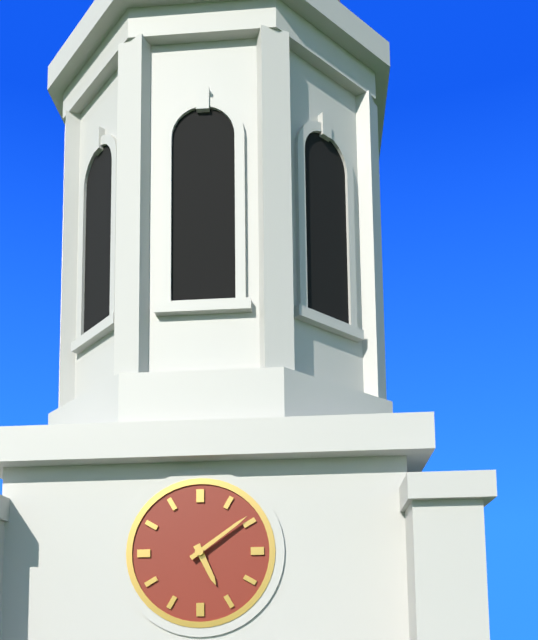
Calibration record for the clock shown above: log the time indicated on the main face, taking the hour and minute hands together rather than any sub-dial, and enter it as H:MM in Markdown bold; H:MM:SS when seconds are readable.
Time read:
**5:09**
